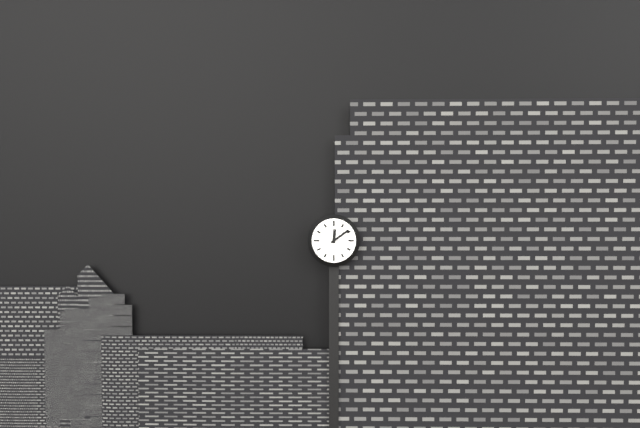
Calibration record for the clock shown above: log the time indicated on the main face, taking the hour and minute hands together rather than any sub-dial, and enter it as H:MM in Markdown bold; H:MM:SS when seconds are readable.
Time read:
**12:09**
